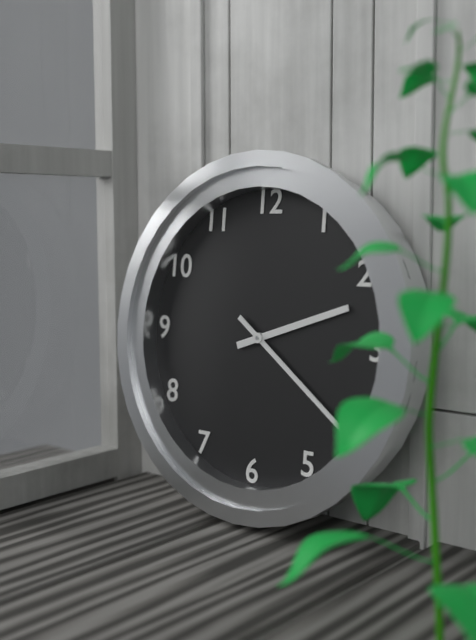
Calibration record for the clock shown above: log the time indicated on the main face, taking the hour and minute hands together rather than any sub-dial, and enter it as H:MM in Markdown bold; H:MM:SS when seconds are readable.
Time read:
**2:21**
